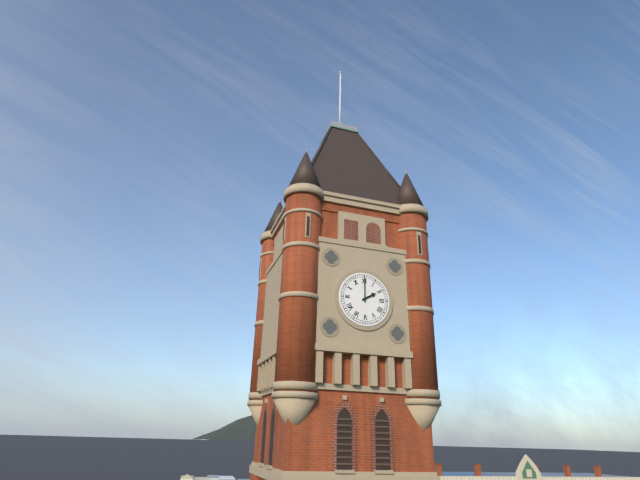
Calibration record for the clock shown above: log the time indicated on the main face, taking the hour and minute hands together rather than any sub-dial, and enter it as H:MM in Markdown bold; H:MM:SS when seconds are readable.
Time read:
**2:00**
